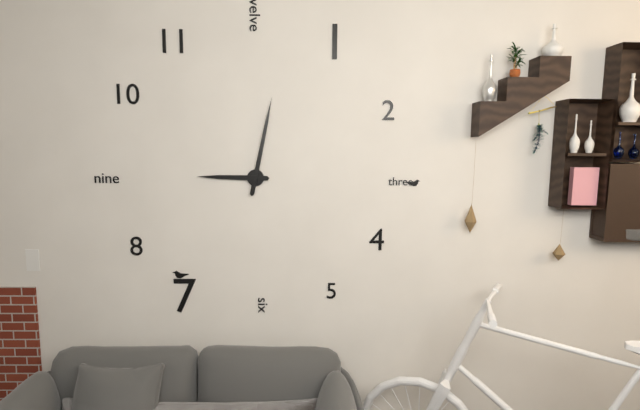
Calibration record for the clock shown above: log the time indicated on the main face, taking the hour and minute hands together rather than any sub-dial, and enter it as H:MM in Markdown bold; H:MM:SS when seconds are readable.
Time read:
**9:02**
